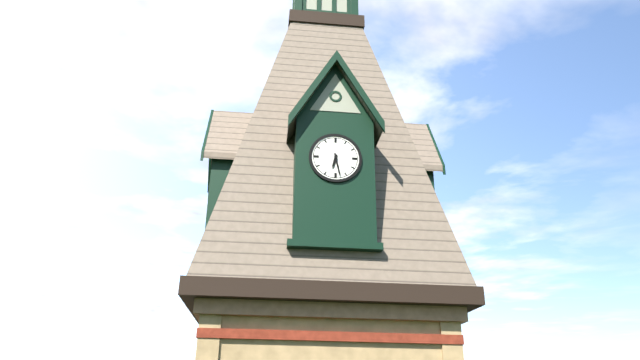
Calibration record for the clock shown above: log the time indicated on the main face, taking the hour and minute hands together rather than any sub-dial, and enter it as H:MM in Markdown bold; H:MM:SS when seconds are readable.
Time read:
**6:28**
